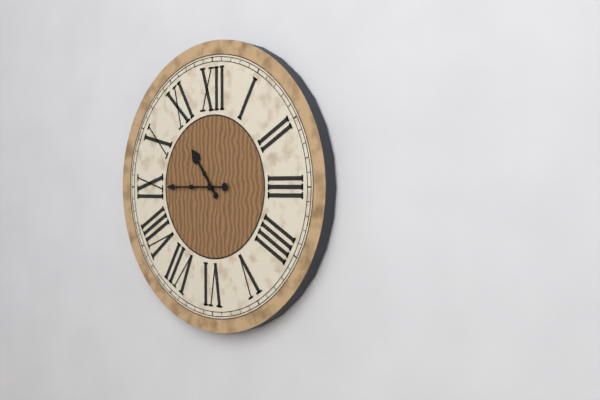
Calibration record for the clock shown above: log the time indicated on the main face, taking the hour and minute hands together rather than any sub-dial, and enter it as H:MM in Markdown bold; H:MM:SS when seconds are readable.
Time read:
**10:45**
